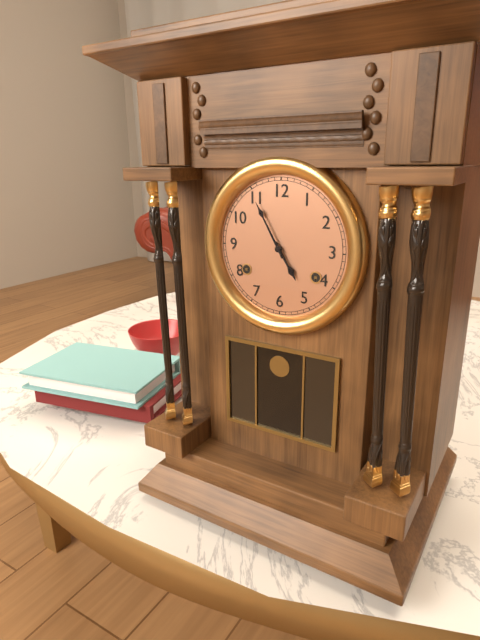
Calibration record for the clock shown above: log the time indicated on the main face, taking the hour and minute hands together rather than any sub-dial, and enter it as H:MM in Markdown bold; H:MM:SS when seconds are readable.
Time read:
**4:55**
